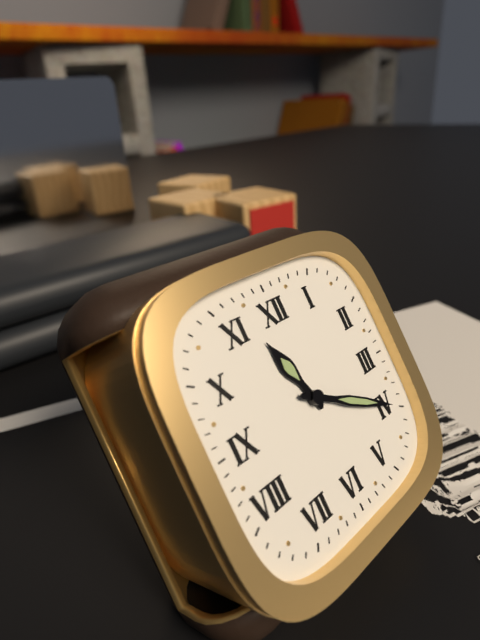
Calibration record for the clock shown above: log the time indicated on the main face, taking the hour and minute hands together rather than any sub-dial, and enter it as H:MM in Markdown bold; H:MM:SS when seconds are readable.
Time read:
**11:20**
